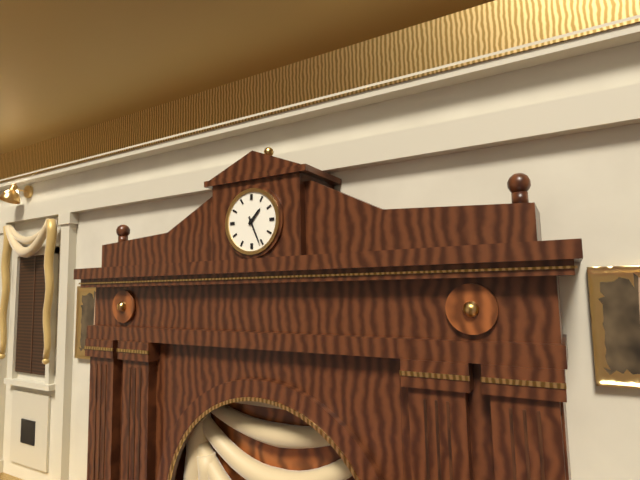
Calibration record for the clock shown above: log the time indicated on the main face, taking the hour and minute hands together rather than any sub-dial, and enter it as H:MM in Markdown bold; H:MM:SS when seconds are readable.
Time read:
**1:26**
